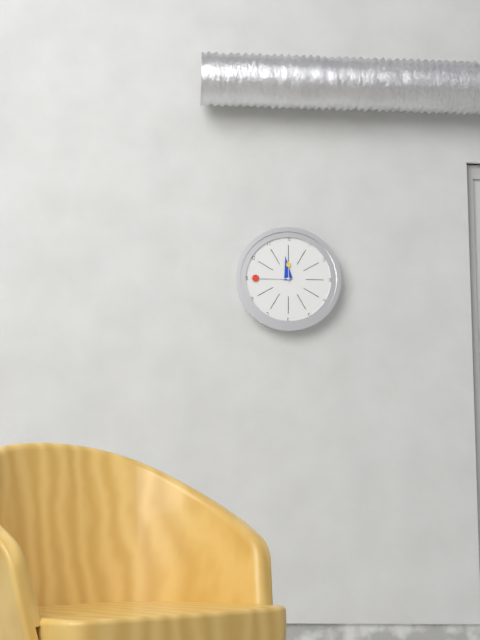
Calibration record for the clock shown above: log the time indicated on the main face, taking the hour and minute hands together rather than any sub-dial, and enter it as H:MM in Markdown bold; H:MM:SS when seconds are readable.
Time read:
**11:45**
